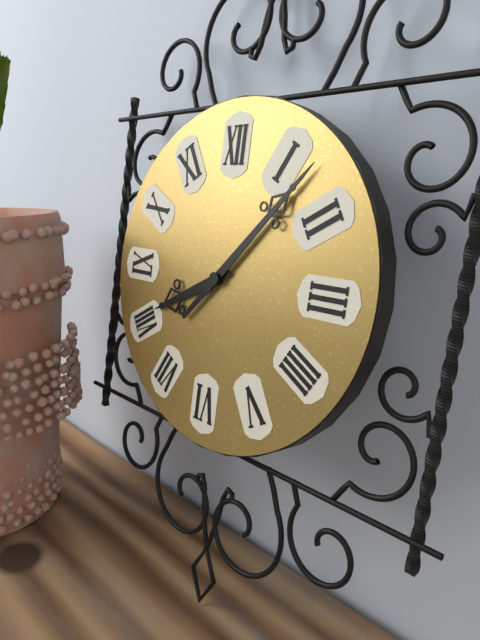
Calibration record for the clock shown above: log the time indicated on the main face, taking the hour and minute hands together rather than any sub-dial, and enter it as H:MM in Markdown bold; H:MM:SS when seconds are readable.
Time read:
**8:07**
